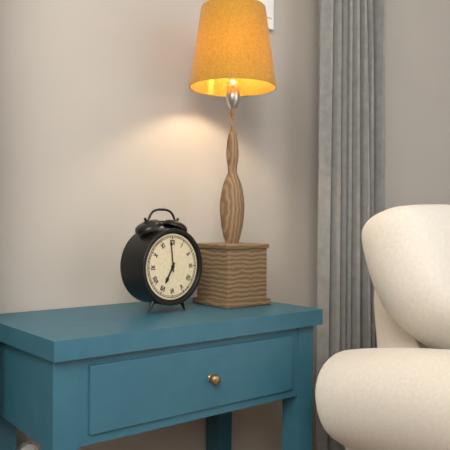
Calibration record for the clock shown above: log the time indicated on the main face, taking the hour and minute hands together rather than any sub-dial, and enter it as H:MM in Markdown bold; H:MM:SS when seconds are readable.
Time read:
**6:59**
